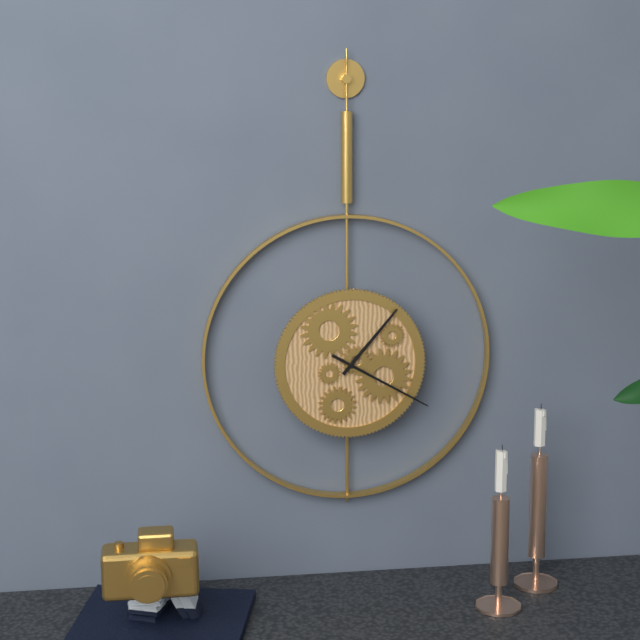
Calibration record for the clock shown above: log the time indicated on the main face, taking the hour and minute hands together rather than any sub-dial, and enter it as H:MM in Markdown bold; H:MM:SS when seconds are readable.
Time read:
**1:20**
